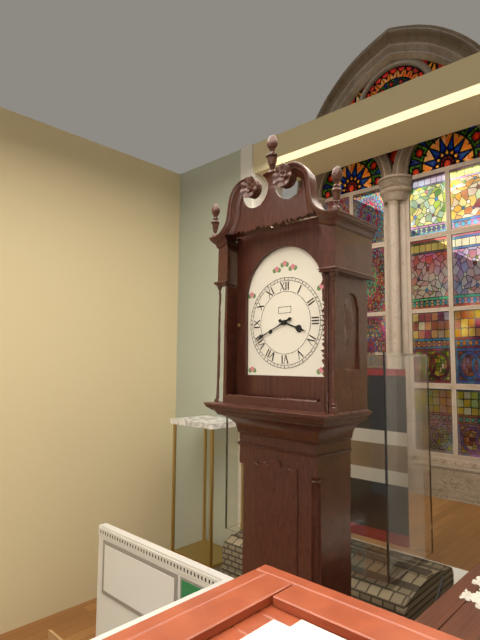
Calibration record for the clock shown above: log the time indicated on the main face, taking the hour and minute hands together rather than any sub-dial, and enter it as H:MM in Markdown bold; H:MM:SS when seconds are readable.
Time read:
**3:41**
